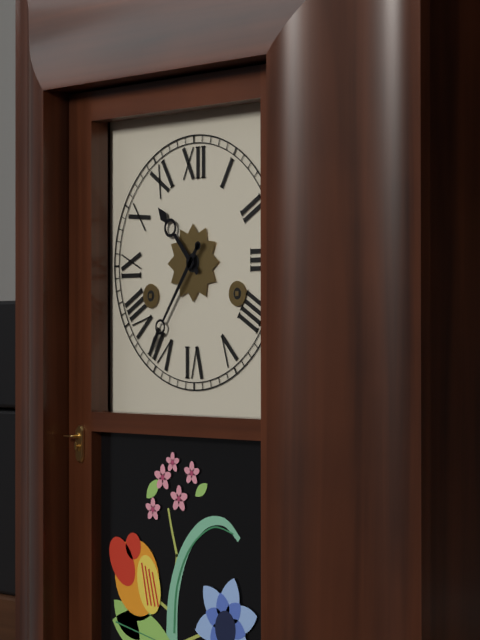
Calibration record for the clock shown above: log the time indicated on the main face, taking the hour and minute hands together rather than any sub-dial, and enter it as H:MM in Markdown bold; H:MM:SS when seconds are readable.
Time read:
**10:36**
